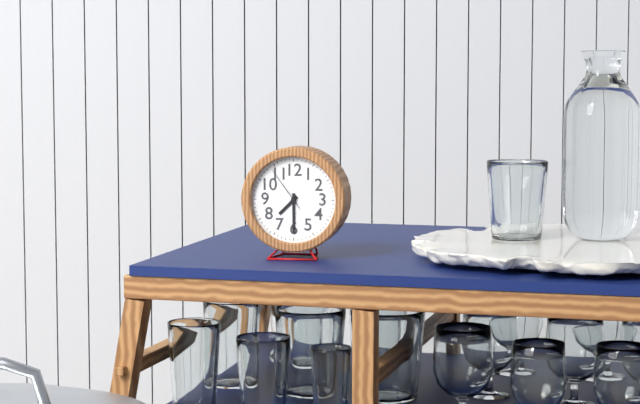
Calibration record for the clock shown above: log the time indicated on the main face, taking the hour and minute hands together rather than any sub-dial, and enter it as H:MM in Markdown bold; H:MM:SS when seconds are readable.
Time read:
**7:30**
